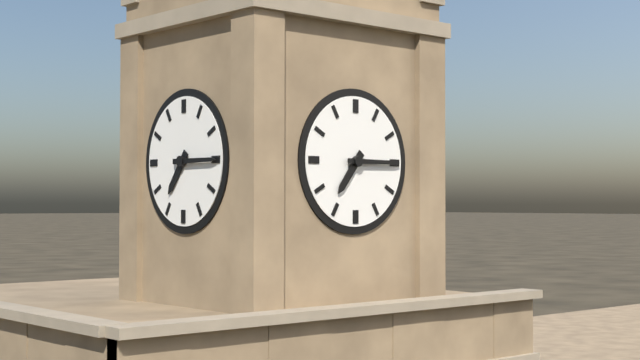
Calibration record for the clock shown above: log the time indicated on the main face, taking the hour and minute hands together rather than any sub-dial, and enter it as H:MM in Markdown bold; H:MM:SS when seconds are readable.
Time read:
**7:15**
